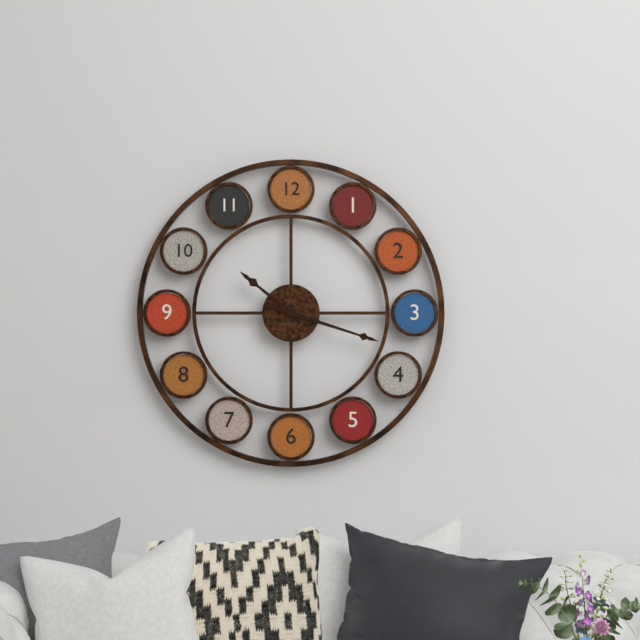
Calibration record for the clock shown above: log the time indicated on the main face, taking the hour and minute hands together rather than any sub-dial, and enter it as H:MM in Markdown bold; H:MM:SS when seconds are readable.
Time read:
**10:18**
